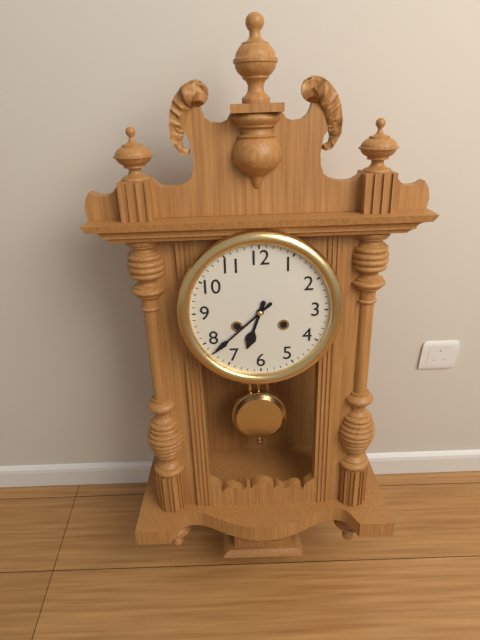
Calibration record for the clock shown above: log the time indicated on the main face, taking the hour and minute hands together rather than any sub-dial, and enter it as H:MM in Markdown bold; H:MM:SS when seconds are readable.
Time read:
**6:38**
